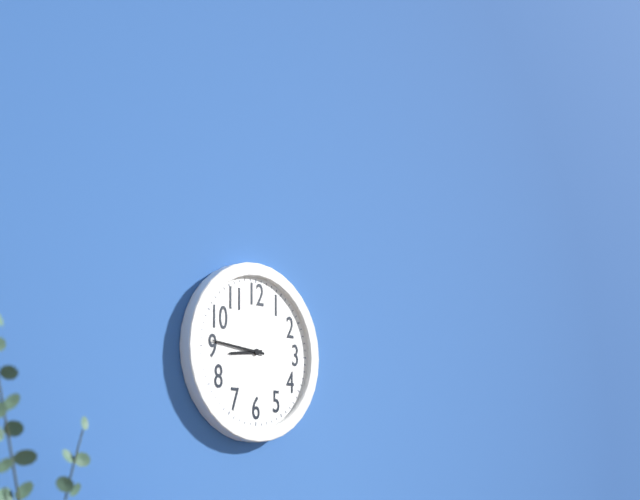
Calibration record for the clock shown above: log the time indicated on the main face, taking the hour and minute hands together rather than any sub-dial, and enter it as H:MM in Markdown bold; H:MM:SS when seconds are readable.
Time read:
**8:46**
